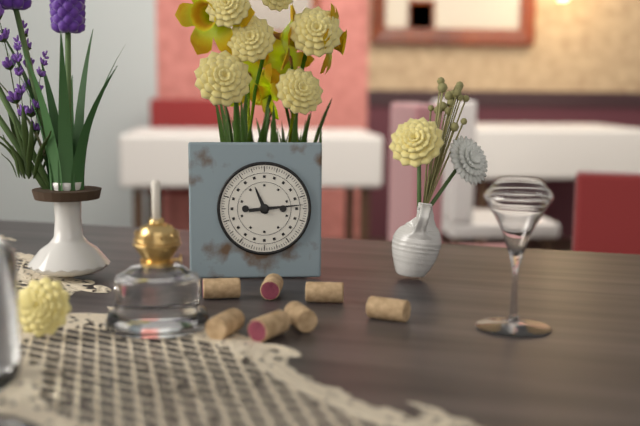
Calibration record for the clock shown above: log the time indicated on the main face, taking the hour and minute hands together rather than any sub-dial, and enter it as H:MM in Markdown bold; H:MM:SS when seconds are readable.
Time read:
**11:14**
